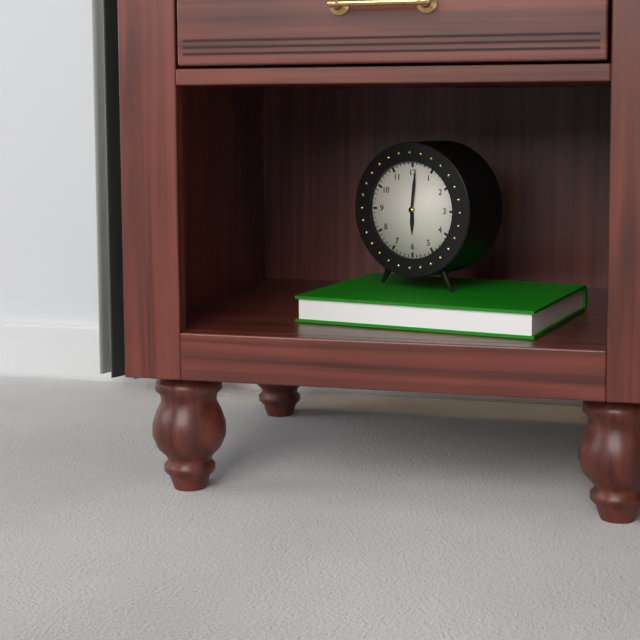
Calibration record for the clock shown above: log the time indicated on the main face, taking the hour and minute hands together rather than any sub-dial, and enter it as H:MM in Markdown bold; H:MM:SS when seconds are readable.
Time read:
**6:01**
